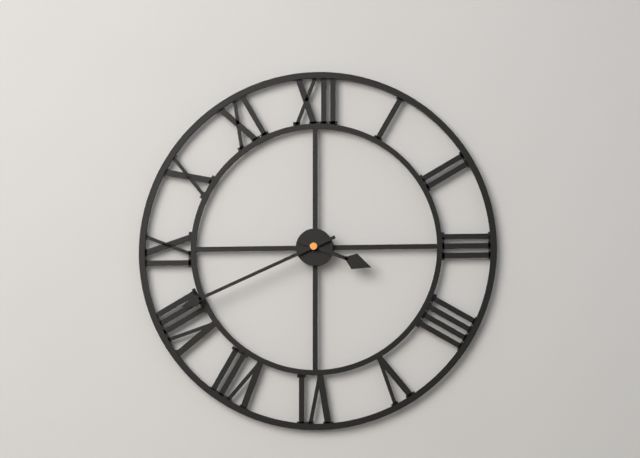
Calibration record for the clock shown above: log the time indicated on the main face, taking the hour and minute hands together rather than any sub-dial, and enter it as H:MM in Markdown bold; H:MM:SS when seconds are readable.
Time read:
**3:41**
